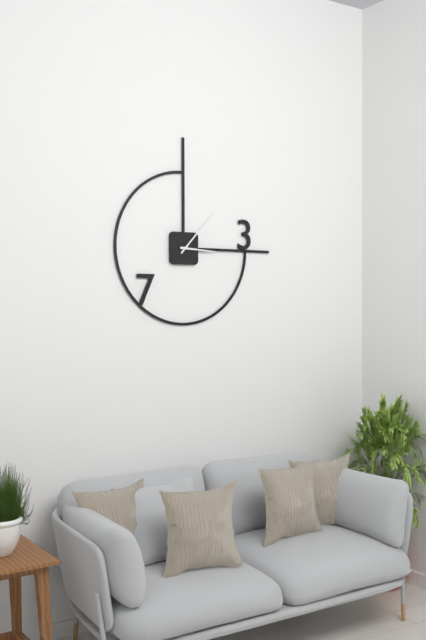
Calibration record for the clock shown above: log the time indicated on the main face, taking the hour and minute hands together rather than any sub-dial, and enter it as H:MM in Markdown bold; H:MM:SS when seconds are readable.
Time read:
**3:07**
